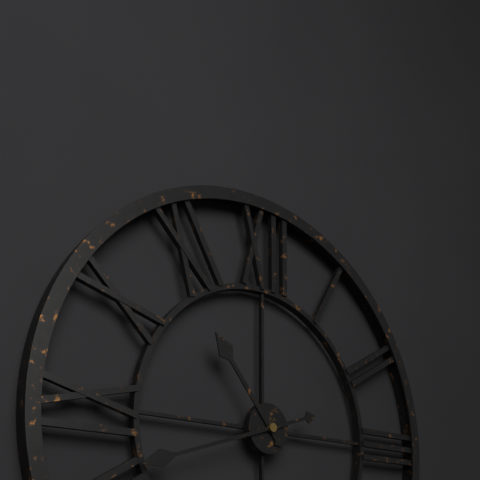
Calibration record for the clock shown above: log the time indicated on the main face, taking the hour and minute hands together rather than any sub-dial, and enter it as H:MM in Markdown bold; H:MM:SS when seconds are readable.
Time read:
**10:42**
